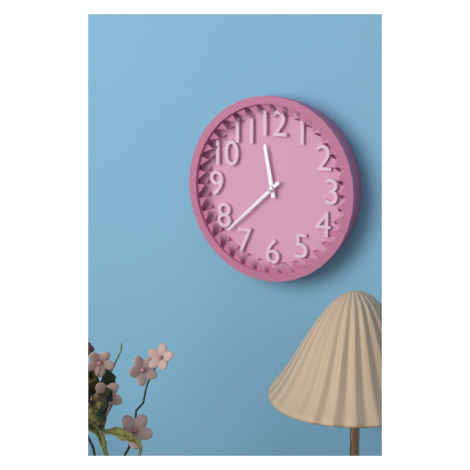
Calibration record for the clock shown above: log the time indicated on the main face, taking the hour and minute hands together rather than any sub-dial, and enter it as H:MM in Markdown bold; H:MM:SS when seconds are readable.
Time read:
**11:38**
